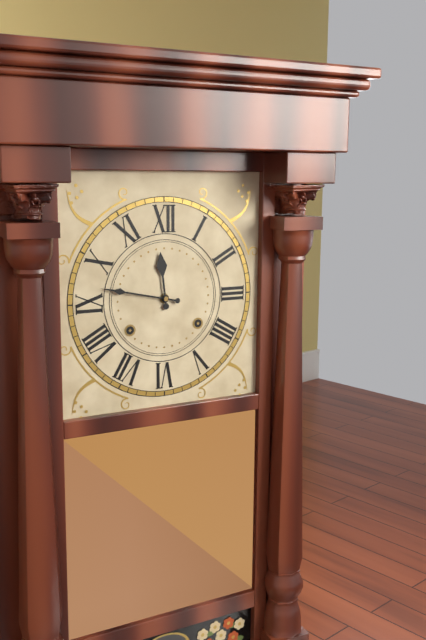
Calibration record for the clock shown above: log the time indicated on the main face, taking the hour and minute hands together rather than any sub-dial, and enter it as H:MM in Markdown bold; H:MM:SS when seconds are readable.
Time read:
**11:47**
